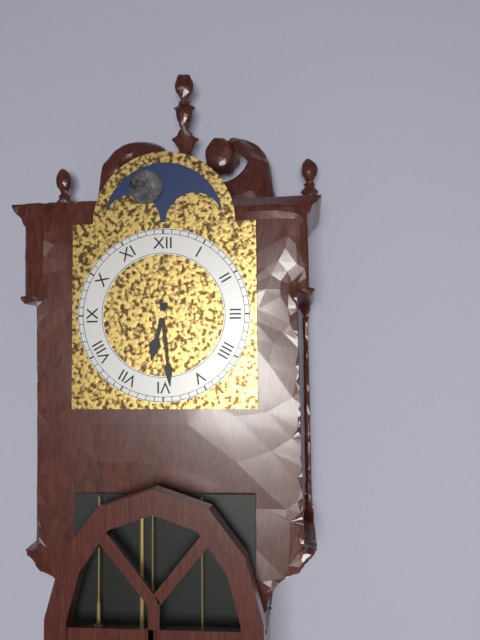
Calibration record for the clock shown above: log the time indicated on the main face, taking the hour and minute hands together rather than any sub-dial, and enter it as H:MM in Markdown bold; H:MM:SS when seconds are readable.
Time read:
**6:29**
